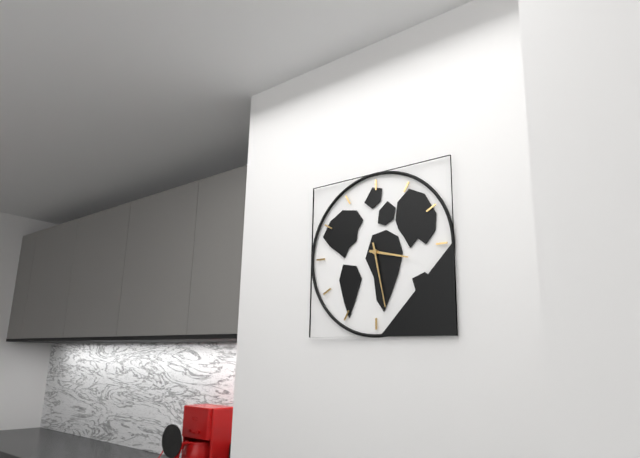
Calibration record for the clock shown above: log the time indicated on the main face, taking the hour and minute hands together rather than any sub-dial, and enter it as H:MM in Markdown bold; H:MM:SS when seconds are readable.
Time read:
**3:28**
